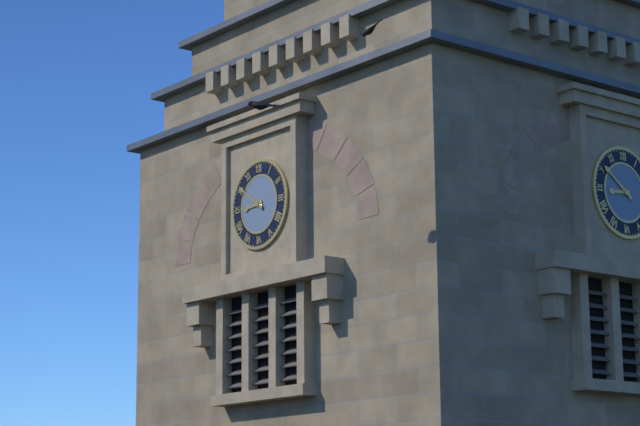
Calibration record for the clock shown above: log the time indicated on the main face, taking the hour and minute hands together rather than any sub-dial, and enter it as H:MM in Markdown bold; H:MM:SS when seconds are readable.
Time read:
**8:51**
